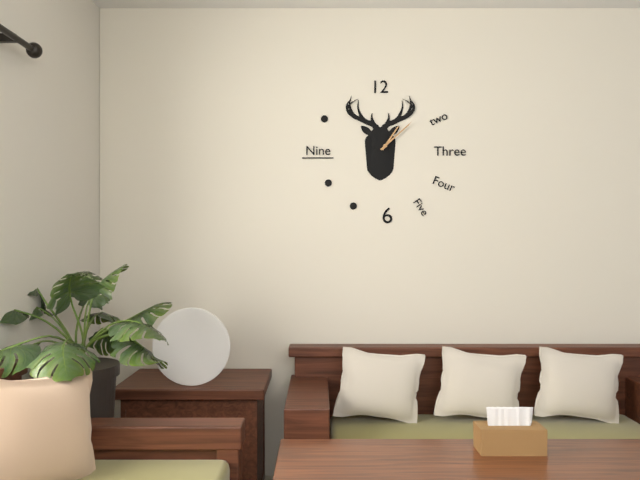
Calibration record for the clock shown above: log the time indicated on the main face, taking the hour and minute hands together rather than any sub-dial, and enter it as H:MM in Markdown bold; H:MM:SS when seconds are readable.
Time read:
**1:08**
